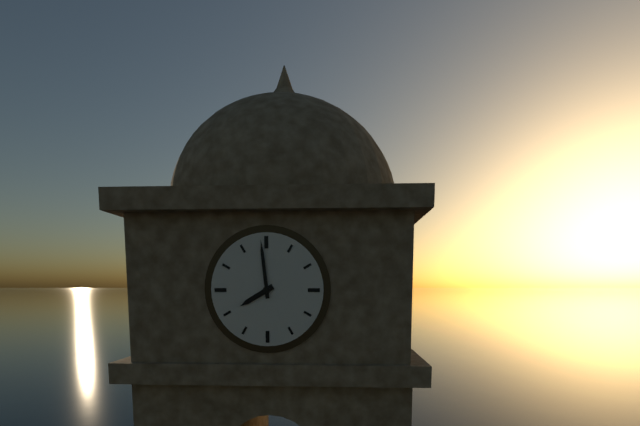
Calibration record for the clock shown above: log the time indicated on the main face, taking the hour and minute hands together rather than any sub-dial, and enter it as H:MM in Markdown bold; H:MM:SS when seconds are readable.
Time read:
**7:59**
